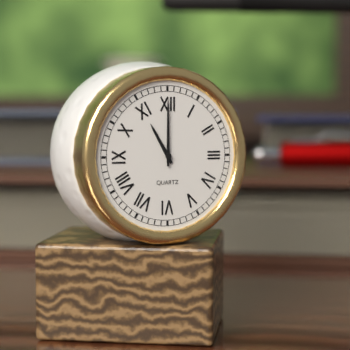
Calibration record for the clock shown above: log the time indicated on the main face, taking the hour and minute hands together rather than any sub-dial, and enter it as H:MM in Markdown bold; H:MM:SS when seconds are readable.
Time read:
**11:00**
